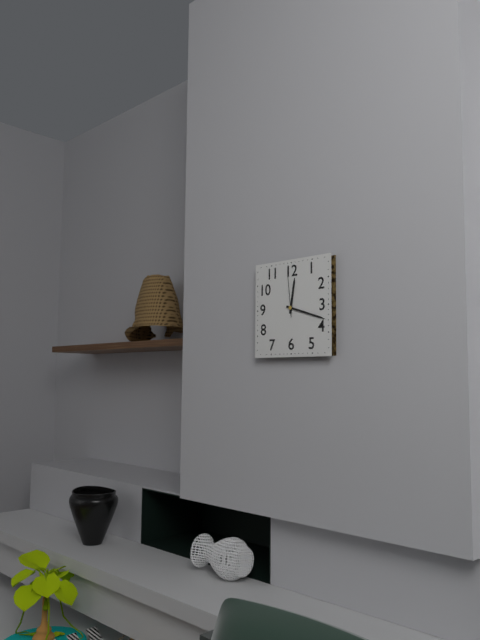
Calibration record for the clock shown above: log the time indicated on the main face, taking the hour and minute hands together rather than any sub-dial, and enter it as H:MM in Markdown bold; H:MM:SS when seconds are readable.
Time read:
**12:18**
